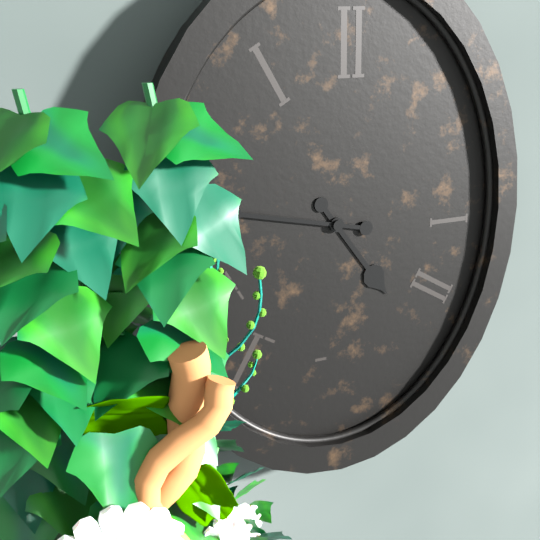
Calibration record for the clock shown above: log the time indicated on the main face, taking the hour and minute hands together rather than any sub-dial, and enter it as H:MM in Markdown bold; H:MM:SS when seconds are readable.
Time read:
**4:47**
